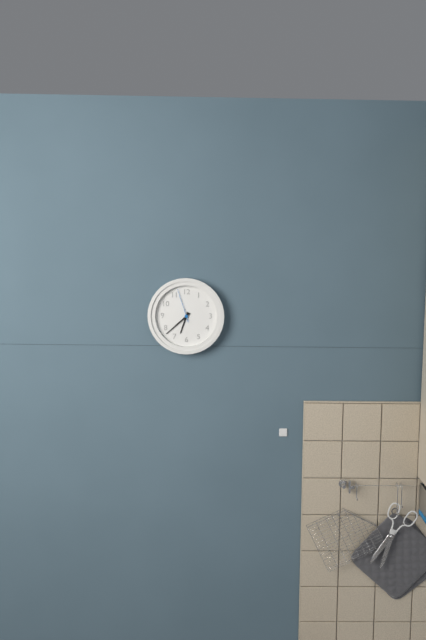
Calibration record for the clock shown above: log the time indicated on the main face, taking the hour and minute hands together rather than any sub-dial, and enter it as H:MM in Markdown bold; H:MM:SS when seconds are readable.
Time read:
**6:38**
